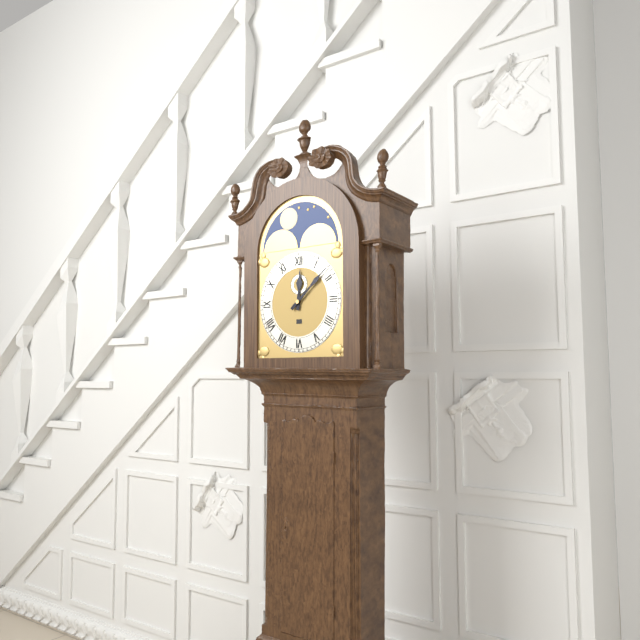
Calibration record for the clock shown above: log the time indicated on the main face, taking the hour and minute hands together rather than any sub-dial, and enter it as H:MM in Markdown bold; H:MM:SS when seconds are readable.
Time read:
**12:08**
